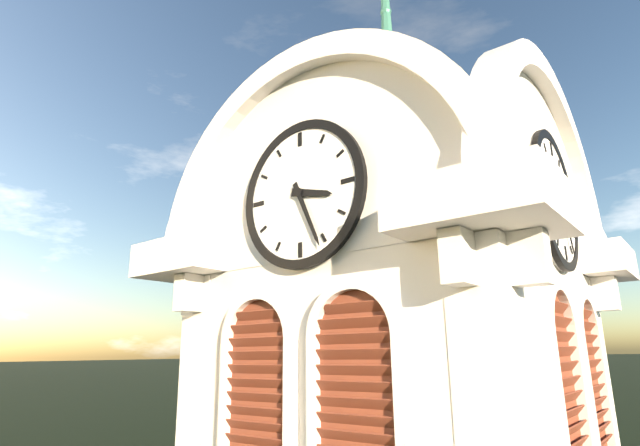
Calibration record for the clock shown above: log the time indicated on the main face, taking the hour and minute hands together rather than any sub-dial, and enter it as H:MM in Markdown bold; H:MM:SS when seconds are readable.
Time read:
**3:26**
